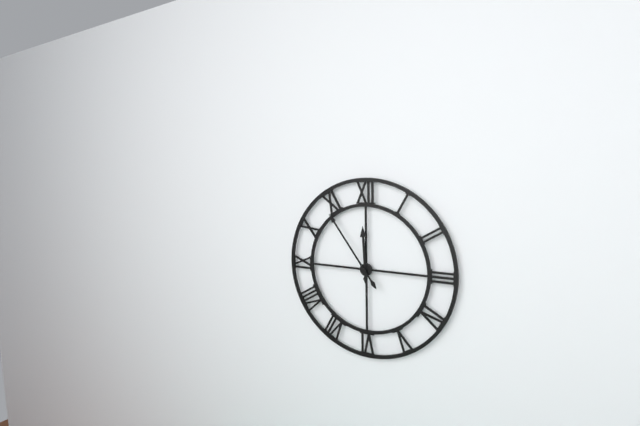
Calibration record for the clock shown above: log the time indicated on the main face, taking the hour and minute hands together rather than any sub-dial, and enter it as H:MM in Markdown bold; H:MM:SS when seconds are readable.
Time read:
**11:54**
